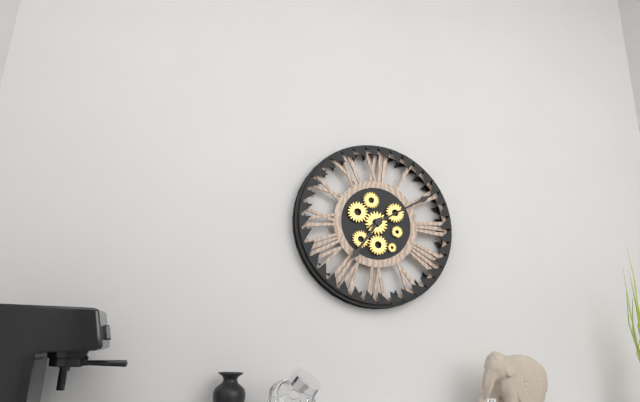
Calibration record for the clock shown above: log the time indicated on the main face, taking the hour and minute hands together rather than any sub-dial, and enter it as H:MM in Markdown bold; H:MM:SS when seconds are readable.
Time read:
**7:10**
